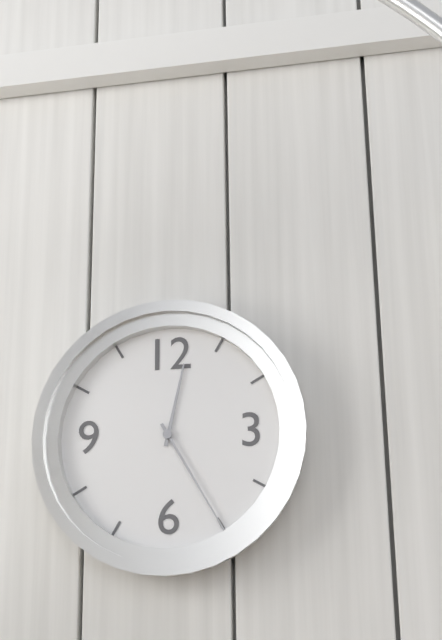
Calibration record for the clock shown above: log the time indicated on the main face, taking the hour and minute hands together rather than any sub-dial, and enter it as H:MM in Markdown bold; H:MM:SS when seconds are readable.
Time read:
**12:25**
